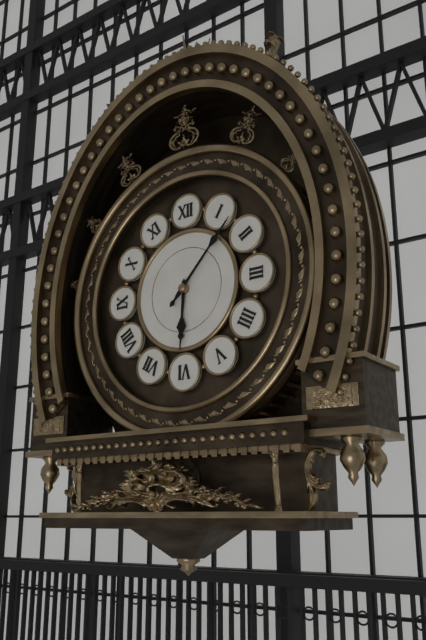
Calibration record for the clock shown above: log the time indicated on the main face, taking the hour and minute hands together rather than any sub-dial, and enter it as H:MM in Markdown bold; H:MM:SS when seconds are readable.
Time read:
**6:07**
